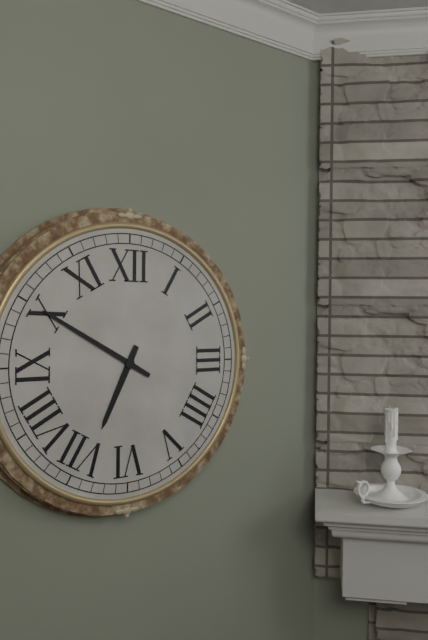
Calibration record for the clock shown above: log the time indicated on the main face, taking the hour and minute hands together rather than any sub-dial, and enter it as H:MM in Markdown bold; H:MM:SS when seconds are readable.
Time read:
**6:50**
